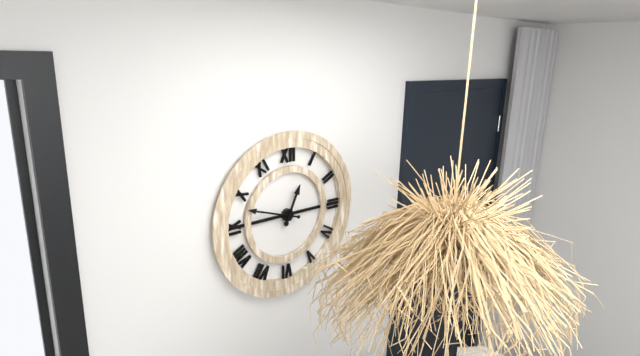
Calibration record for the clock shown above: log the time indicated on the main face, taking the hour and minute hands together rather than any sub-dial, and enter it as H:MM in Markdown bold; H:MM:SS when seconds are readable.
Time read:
**12:48**
